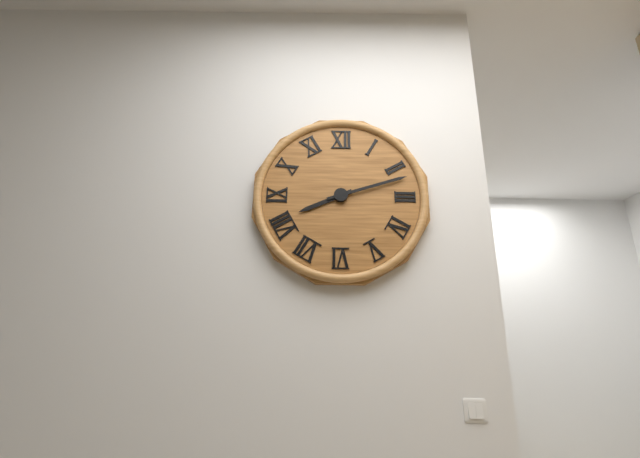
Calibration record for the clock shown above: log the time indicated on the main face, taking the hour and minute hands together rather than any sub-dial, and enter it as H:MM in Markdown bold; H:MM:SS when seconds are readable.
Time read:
**8:12**
